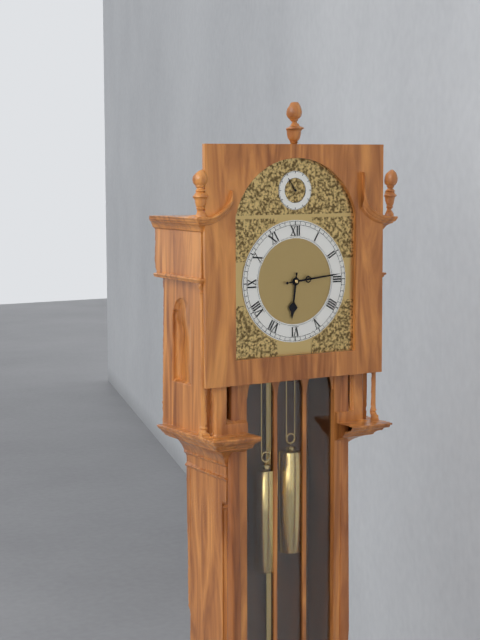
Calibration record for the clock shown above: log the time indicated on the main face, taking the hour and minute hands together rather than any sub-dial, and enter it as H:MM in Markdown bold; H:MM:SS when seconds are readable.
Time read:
**6:14**
